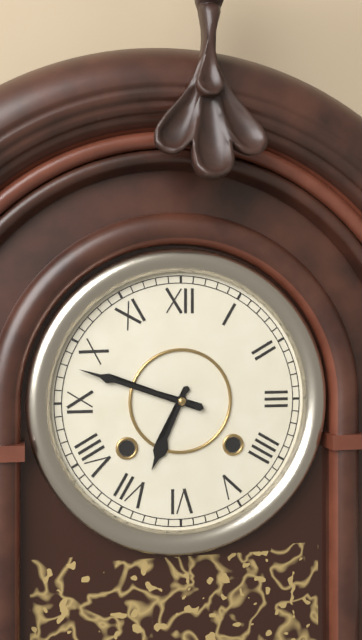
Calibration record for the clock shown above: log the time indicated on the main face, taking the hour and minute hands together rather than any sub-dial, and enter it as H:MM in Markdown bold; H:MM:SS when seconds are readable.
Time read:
**6:48**
